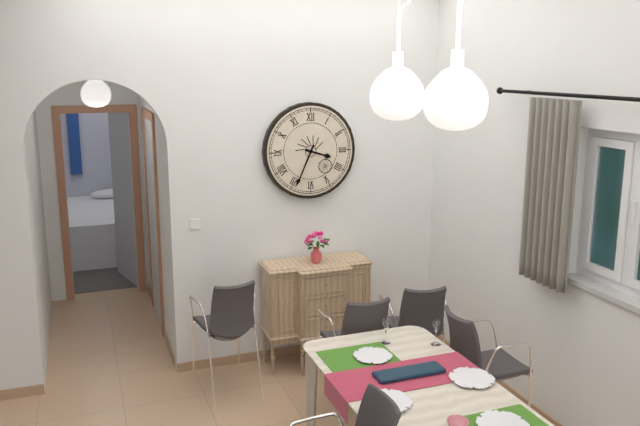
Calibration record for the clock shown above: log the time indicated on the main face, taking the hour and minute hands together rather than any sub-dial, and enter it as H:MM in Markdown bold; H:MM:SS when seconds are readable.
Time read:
**3:34**
